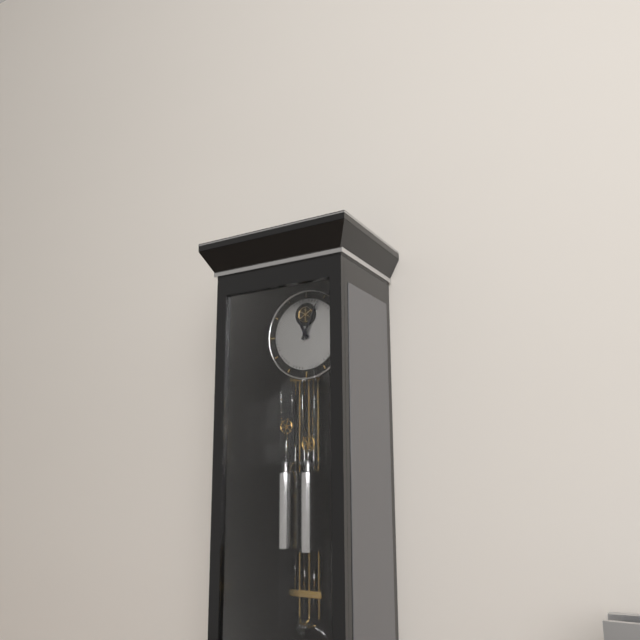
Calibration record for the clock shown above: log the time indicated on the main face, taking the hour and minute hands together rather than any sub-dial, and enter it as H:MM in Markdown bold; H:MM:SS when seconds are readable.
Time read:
**11:04**
